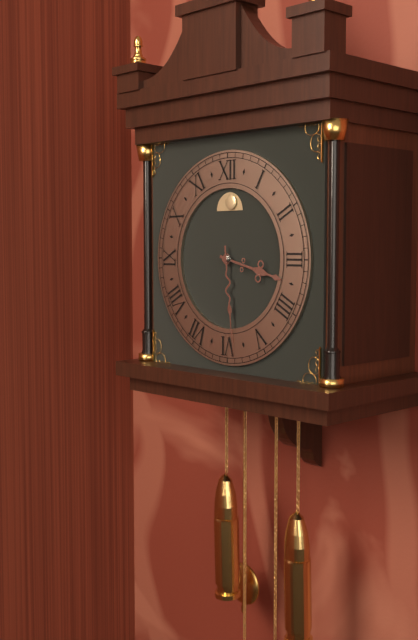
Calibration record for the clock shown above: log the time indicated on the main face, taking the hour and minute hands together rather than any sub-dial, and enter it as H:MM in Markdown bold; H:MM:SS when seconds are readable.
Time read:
**3:29**
